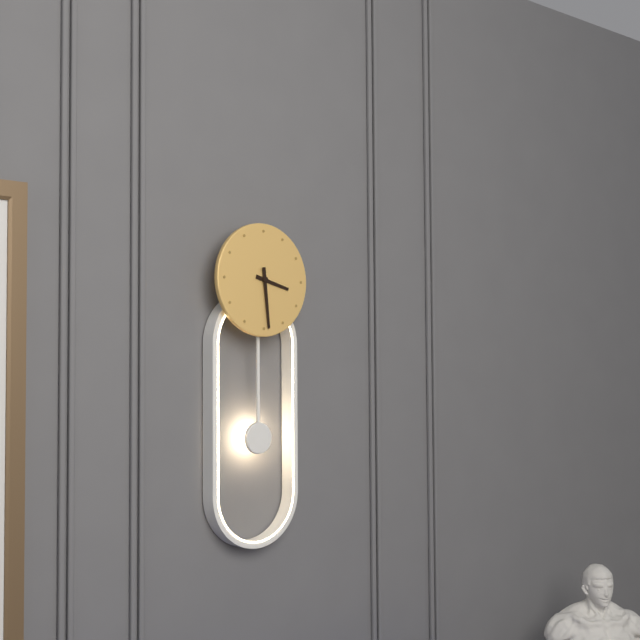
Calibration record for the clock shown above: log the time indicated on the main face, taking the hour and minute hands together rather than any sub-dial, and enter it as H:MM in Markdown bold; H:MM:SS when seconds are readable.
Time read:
**3:29**
